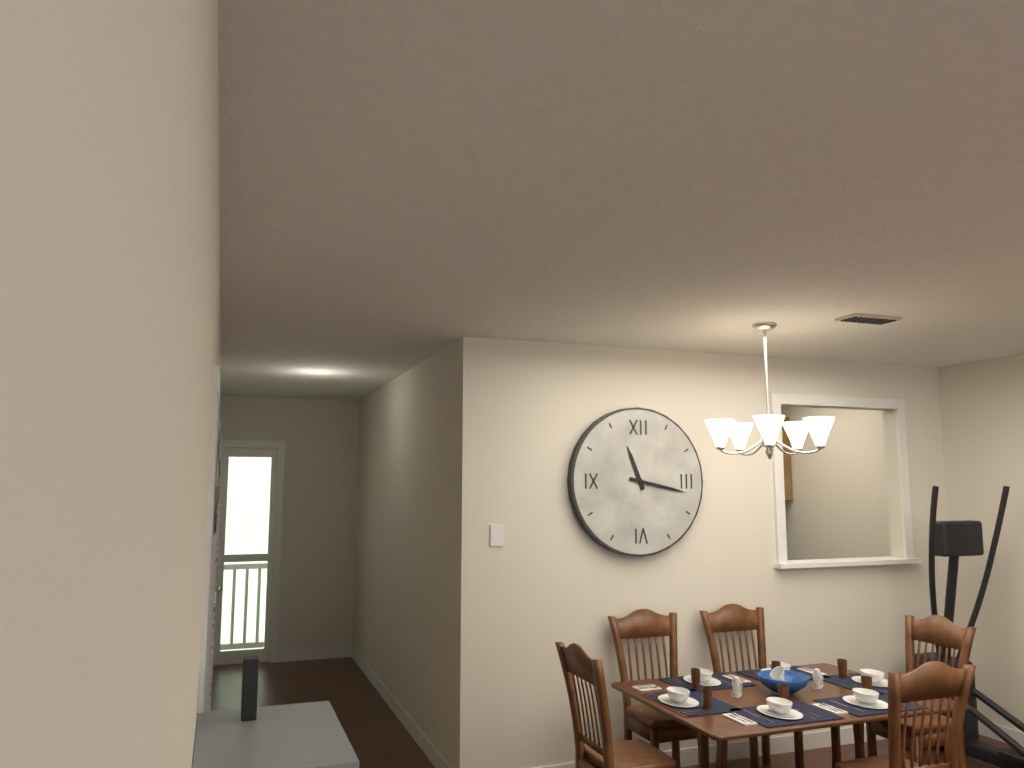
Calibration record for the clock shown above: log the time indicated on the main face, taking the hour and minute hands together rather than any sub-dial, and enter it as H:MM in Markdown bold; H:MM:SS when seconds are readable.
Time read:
**11:17**
